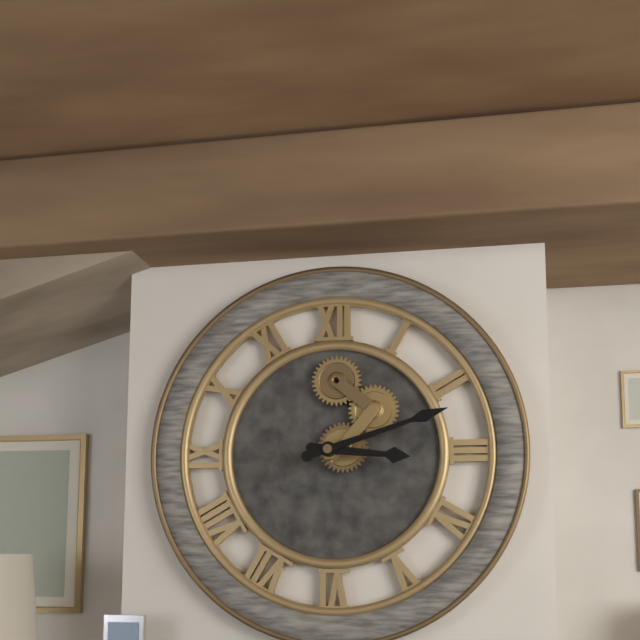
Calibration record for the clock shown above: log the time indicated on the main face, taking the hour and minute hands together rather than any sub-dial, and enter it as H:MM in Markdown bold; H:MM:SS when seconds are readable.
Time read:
**3:12**
